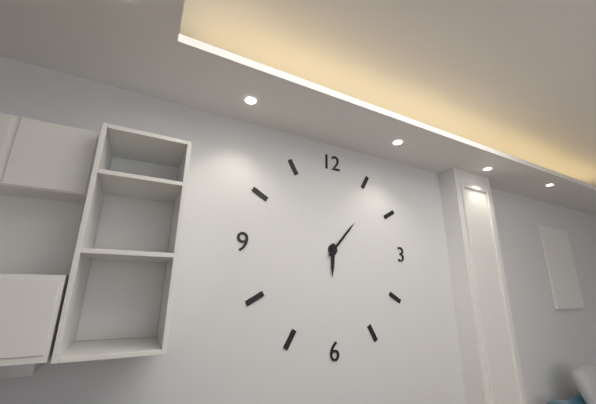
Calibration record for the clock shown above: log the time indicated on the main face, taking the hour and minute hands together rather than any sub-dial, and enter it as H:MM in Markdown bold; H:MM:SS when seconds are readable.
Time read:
**6:07**
